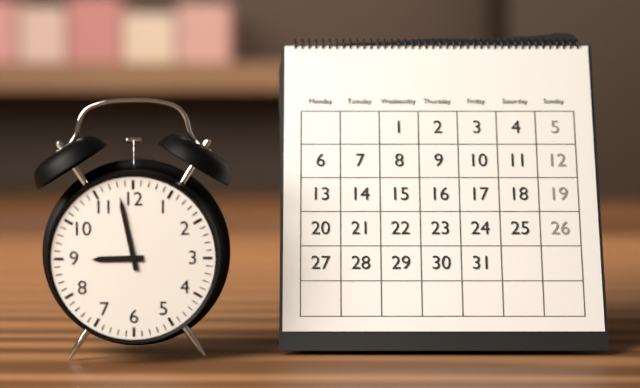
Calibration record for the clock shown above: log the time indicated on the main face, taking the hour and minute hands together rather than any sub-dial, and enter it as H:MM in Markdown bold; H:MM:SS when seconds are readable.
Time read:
**8:58**
